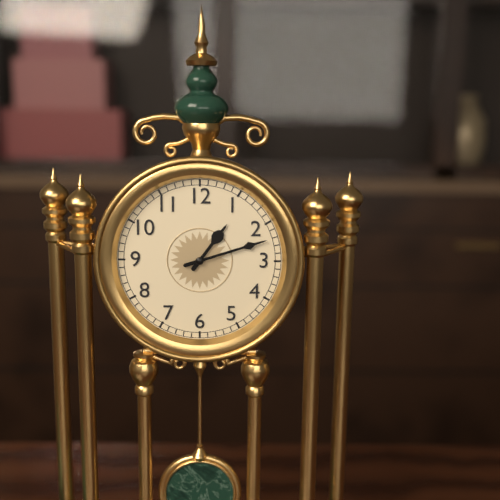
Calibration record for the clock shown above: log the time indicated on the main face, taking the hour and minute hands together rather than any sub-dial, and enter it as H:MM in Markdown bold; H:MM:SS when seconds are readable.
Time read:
**1:12**
